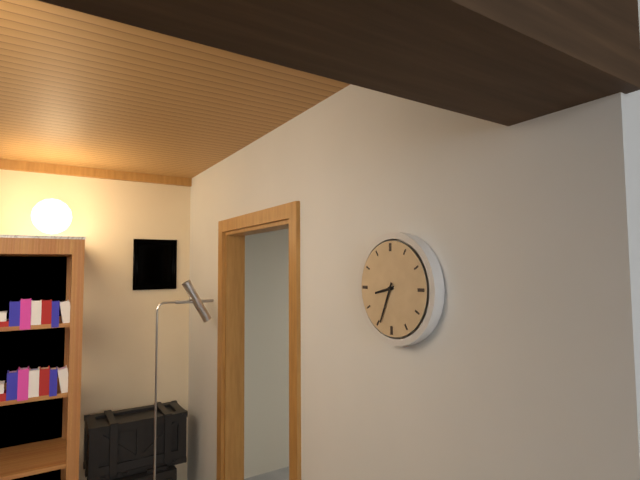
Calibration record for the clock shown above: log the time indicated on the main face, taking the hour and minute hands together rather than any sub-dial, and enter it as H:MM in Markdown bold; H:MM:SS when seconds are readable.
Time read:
**8:34**
